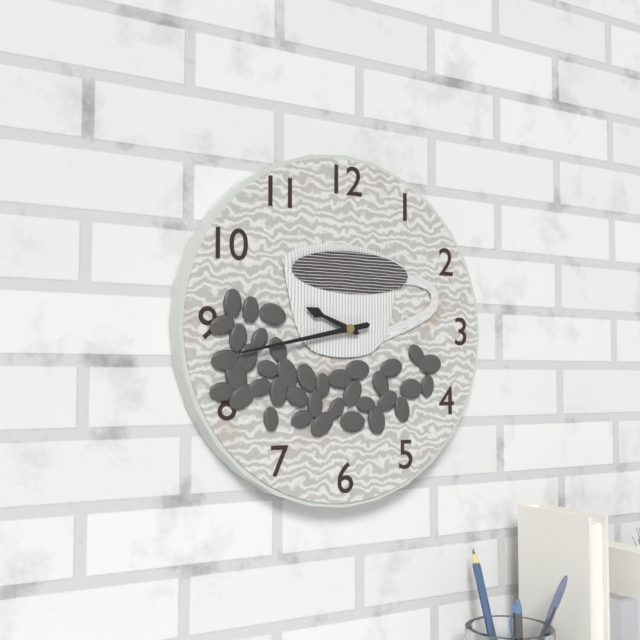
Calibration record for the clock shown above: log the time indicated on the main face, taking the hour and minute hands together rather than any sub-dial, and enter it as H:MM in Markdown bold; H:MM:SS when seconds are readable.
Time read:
**9:43**
